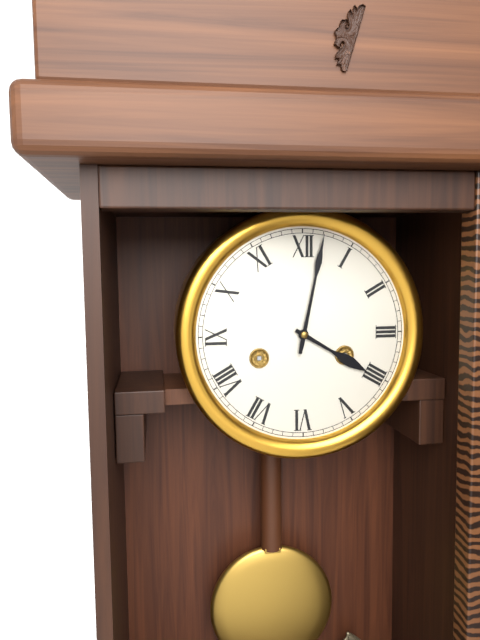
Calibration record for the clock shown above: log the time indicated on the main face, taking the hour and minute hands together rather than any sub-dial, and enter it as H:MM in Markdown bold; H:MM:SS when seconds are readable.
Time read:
**4:02**
